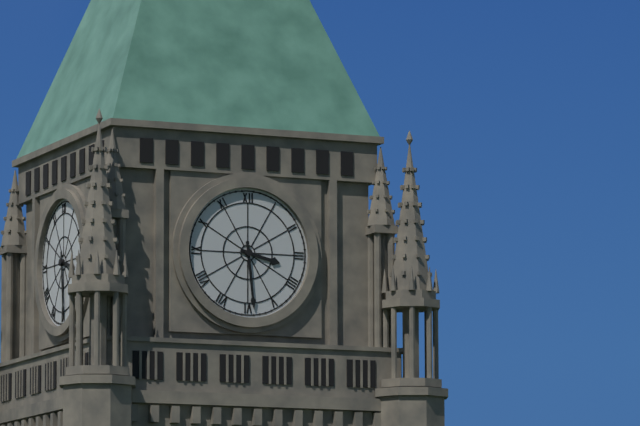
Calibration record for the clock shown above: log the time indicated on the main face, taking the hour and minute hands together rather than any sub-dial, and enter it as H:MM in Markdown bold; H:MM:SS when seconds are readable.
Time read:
**3:29**
